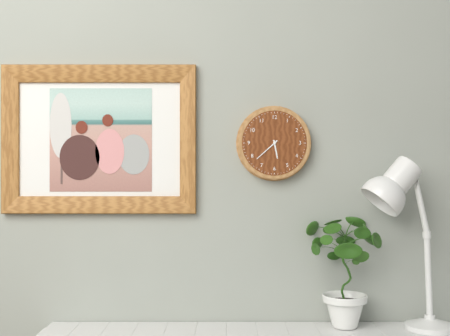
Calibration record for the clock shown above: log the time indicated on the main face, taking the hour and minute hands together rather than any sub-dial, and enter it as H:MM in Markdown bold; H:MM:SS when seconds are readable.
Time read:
**5:38**
